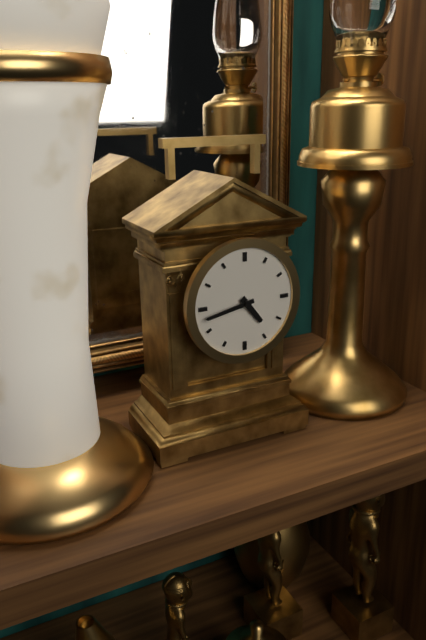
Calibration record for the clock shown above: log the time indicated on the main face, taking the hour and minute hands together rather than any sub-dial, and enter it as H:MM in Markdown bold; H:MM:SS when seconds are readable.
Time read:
**4:43**
